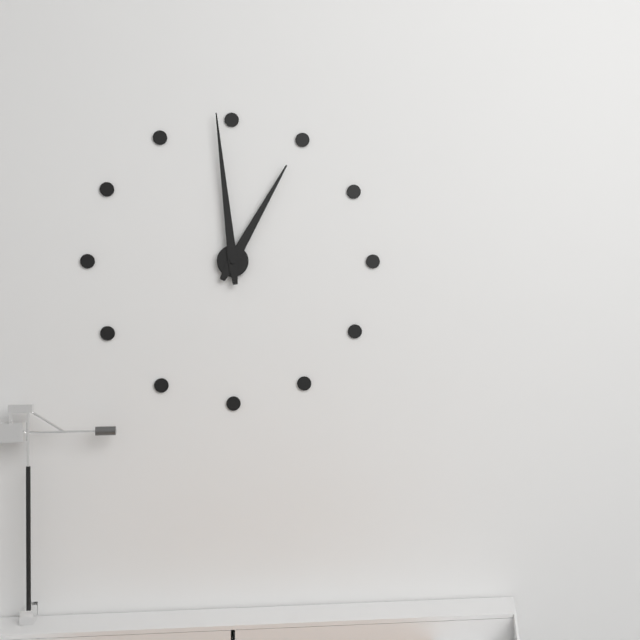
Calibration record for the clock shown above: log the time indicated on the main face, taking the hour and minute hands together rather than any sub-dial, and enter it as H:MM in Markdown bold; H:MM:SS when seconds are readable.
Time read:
**12:59**
